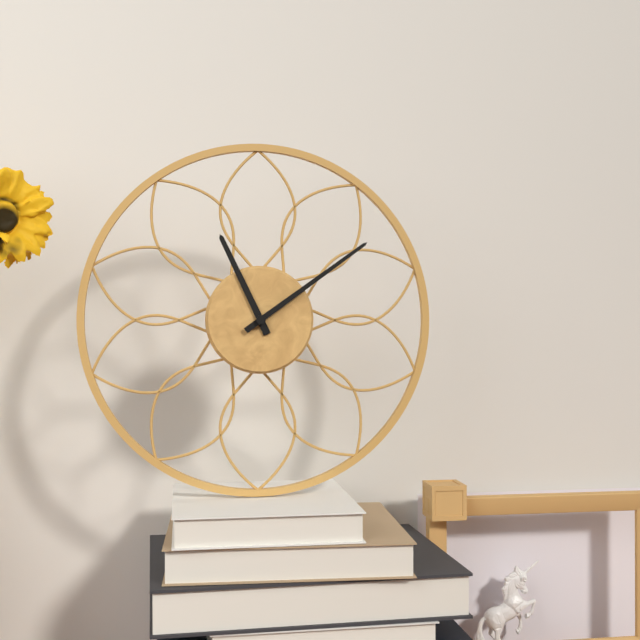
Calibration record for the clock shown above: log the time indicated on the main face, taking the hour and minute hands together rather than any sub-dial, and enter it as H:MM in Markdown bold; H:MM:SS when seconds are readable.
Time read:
**11:09**
